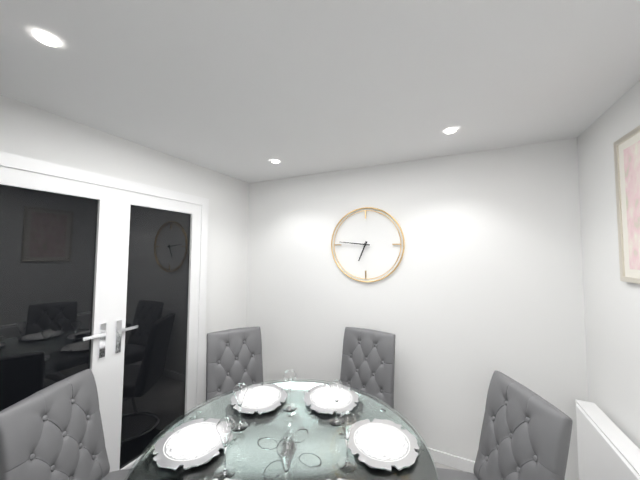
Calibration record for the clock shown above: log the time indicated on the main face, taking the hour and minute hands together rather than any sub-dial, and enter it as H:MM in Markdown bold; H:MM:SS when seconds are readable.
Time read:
**6:46**
